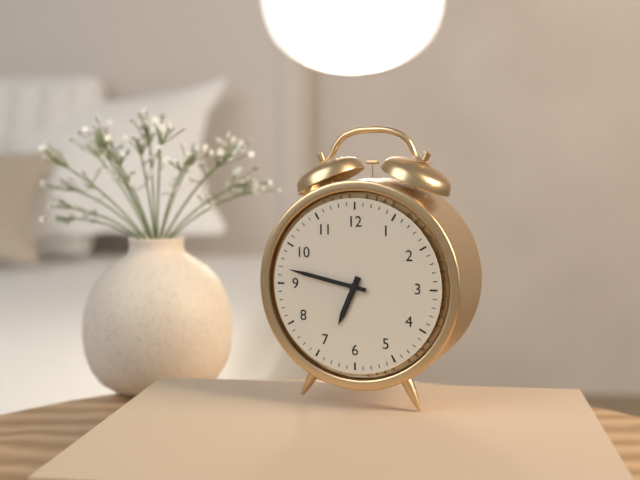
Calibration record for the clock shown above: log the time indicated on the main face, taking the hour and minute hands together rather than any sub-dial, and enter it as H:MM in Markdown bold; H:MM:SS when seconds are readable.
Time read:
**6:47**
